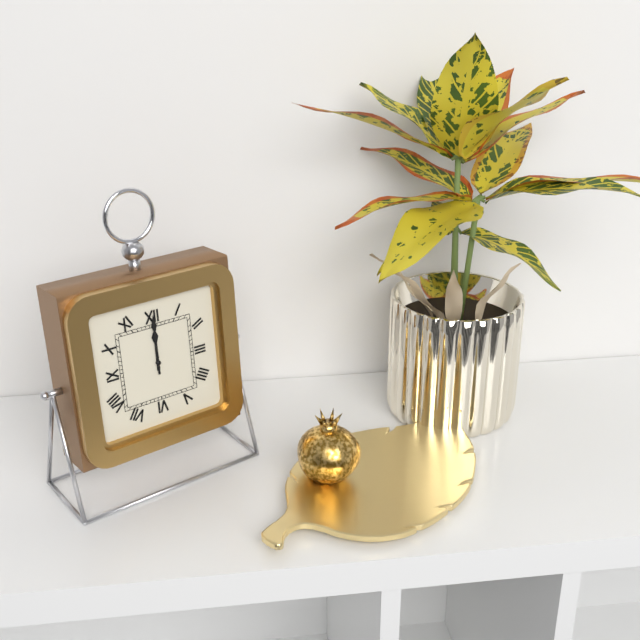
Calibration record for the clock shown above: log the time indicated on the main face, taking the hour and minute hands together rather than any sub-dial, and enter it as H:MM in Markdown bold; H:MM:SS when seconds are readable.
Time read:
**12:00**
